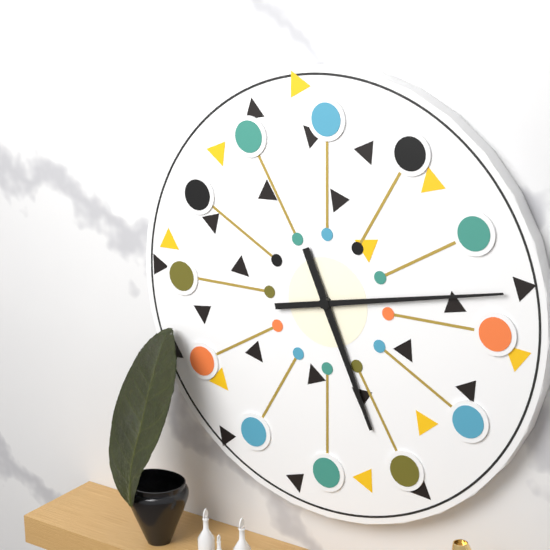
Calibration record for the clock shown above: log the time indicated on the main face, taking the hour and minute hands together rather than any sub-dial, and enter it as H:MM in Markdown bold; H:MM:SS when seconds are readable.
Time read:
**5:13**
